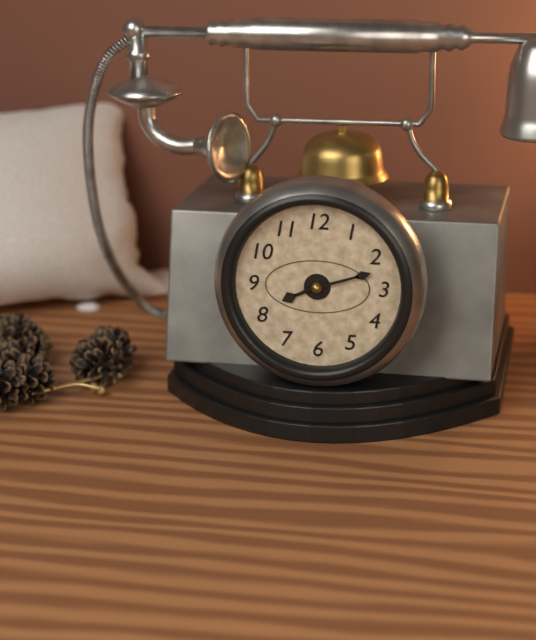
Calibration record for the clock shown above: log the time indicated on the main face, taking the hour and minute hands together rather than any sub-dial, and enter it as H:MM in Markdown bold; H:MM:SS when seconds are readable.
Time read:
**8:12**
